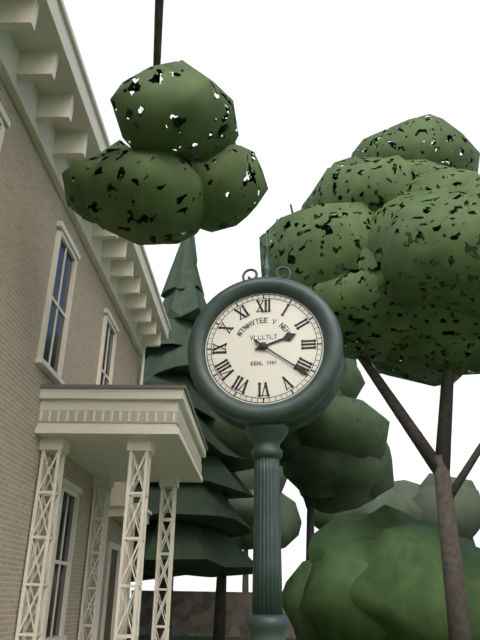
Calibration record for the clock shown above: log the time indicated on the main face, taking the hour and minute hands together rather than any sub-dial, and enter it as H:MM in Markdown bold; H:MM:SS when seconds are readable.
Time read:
**2:21**
